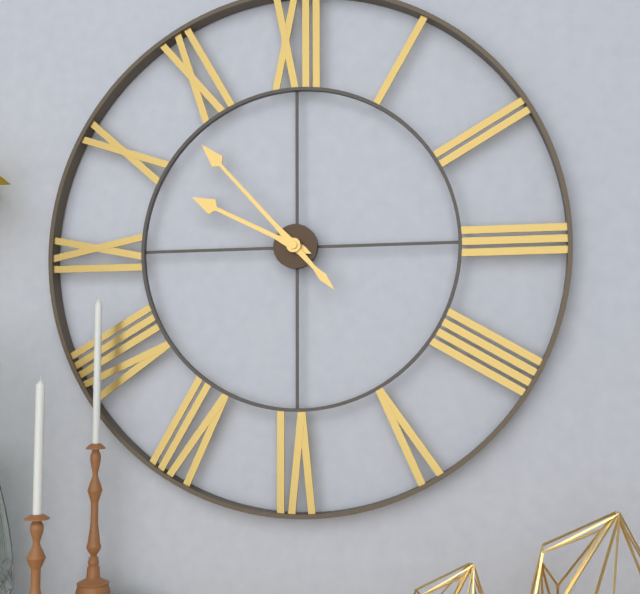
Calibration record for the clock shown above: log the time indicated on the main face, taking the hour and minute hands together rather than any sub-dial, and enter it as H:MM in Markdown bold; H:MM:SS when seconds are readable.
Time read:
**9:53**
